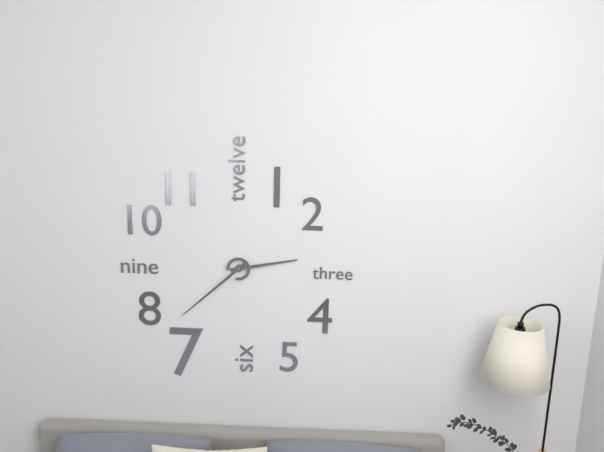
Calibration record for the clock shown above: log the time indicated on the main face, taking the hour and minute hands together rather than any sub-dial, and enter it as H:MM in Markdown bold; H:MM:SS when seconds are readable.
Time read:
**2:38**
